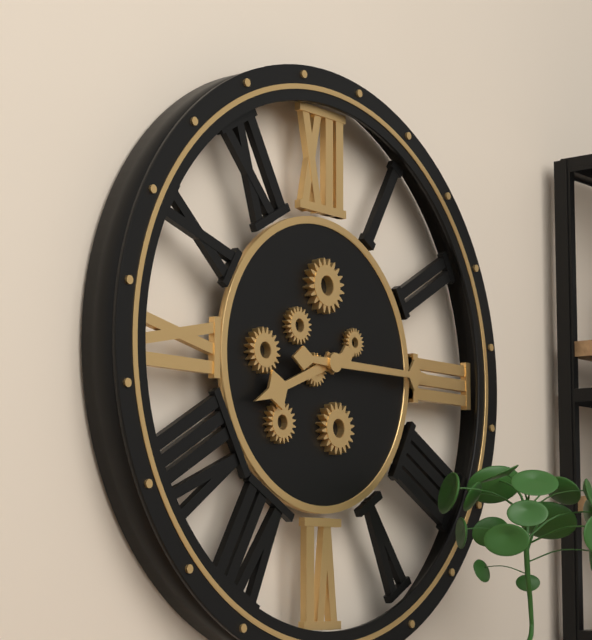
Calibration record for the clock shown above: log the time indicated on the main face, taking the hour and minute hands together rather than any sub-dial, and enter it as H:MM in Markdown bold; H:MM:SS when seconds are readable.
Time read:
**8:15**
